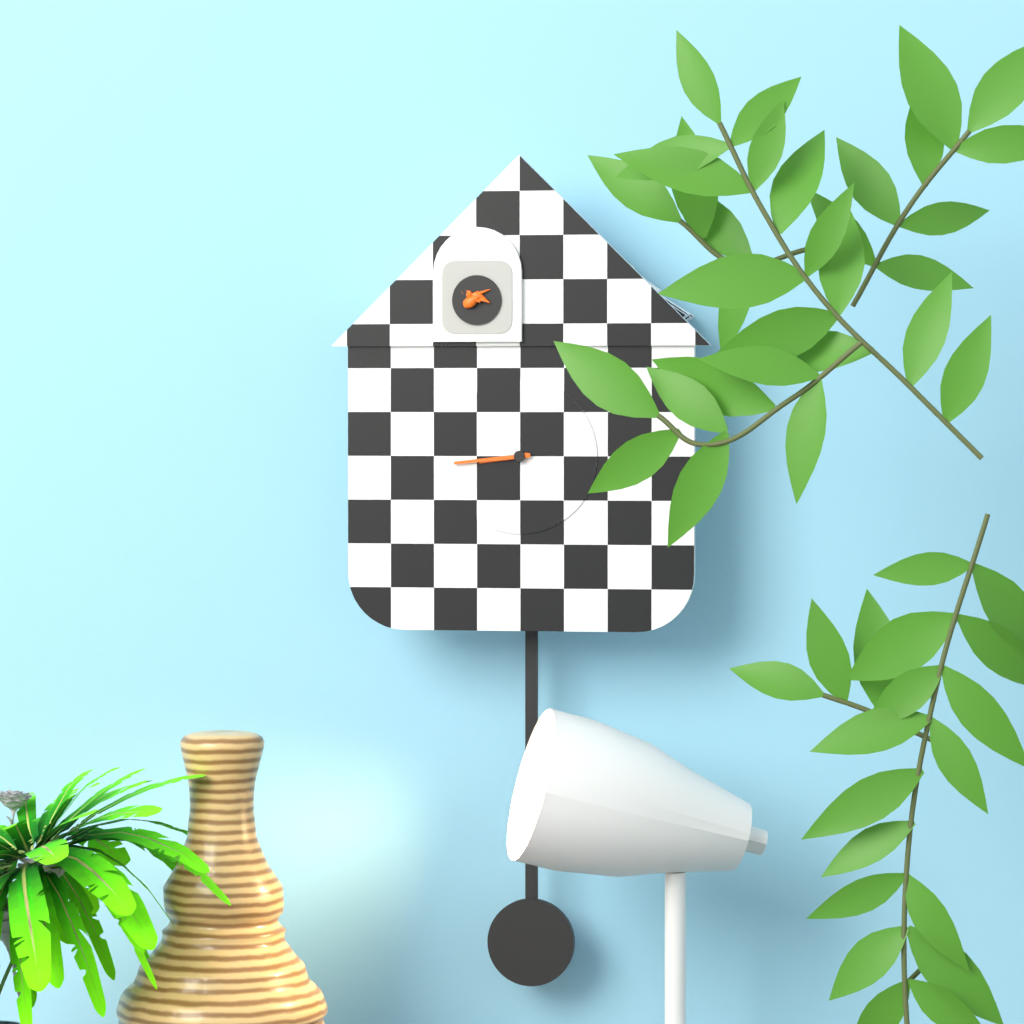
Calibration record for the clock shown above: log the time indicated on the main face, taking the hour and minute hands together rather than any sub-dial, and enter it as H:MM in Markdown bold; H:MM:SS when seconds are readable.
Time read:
**8:44**
